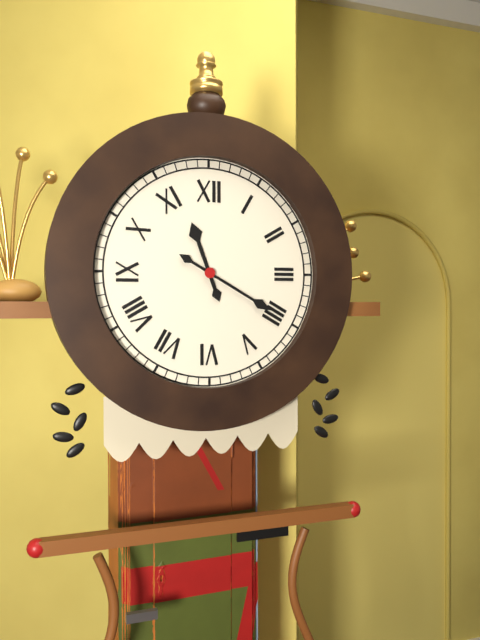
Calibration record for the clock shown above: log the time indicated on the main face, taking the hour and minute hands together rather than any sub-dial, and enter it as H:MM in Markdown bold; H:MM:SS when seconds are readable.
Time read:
**11:20**
